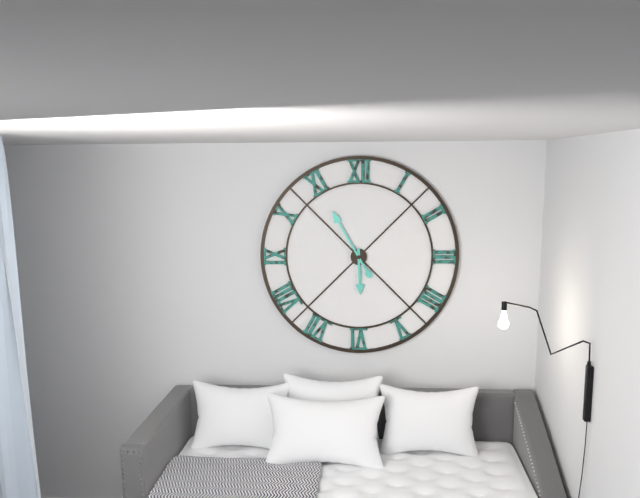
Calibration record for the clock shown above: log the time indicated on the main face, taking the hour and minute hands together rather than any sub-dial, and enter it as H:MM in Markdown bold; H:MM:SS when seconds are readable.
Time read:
**5:55**
